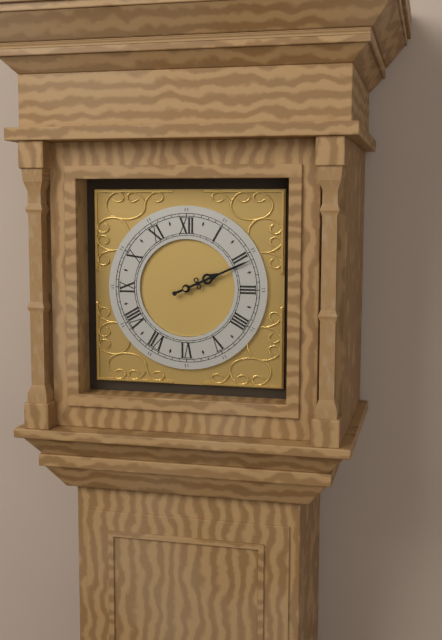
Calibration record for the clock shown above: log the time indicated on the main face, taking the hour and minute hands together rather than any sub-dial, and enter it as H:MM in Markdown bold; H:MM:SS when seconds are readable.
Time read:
**2:11**
